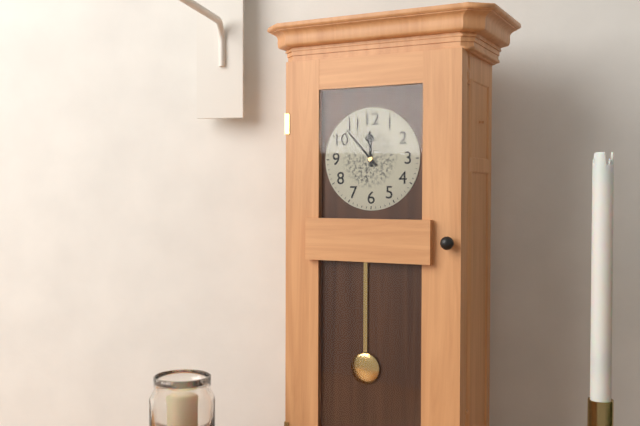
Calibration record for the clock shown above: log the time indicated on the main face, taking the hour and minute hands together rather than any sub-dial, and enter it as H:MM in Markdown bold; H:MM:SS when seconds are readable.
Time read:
**11:53**
